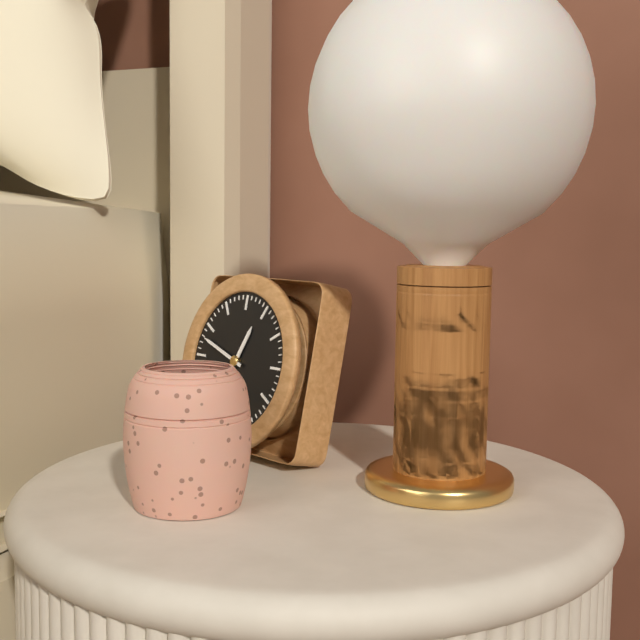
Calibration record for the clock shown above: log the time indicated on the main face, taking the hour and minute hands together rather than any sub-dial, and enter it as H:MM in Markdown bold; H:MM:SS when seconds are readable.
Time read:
**12:48**
